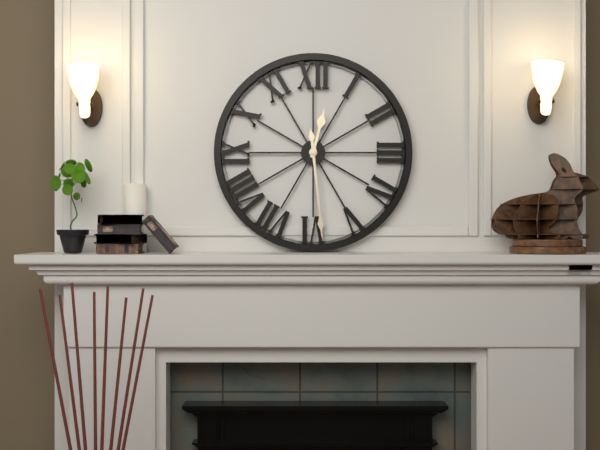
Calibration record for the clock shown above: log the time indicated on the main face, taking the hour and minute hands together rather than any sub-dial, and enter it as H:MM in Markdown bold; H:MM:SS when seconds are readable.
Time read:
**12:29**
